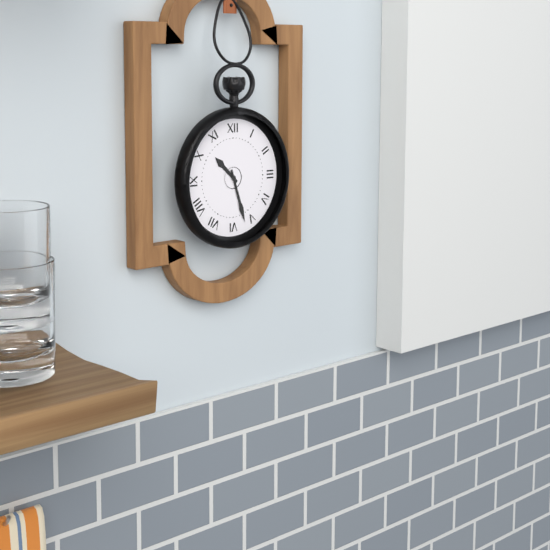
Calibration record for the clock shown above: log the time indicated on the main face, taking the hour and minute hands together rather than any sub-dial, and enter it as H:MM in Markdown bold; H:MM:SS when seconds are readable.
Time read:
**10:27**
